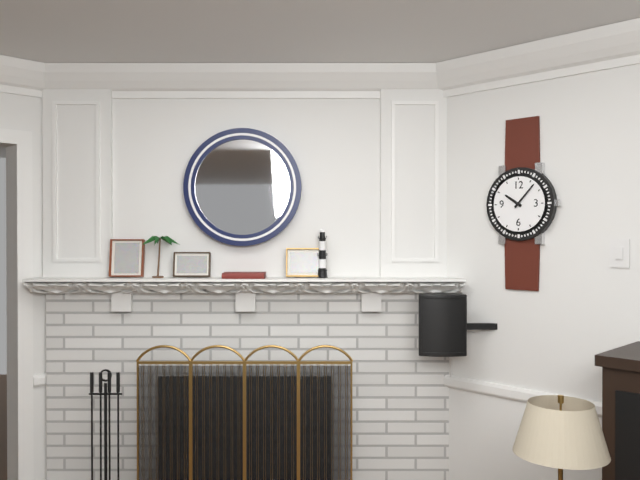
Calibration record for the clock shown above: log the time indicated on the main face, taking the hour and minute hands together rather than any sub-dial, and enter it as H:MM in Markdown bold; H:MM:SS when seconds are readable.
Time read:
**10:07**
